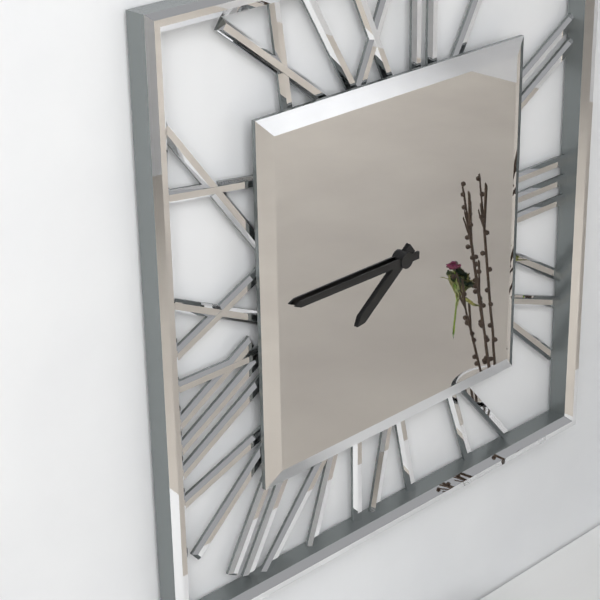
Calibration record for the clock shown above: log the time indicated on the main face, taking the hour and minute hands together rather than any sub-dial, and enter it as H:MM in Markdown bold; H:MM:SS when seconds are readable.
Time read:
**7:45**
